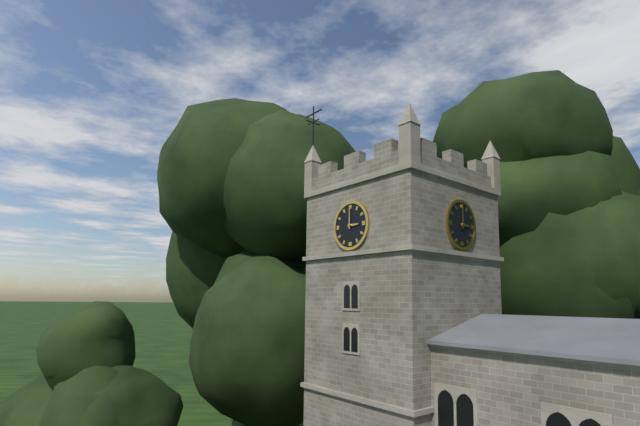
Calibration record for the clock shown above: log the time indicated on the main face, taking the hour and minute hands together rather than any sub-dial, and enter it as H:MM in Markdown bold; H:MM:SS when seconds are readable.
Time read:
**3:00**
